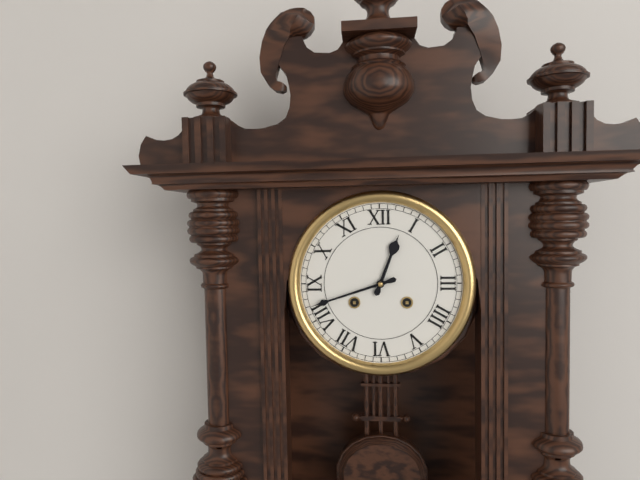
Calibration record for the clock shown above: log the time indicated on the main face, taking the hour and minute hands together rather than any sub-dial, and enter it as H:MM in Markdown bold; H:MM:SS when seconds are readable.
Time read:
**12:42**
